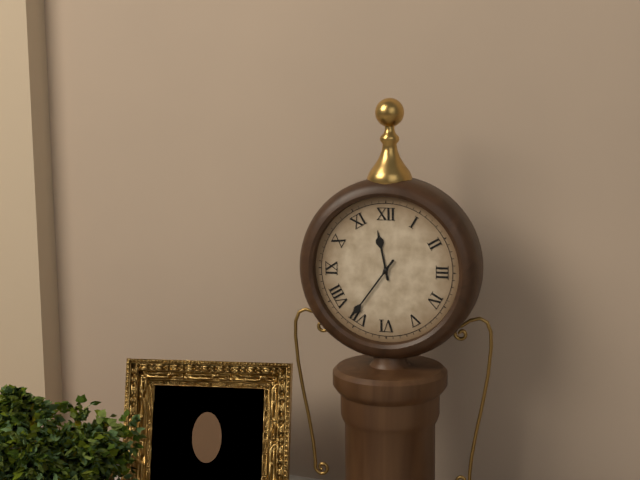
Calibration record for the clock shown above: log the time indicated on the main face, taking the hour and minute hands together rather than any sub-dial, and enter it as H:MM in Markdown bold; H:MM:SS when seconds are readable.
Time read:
**11:36**
